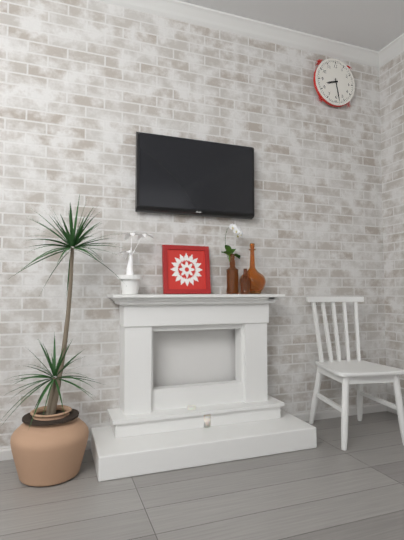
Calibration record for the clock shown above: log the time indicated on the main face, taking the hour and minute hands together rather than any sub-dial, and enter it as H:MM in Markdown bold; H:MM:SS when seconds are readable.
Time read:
**8:28**
